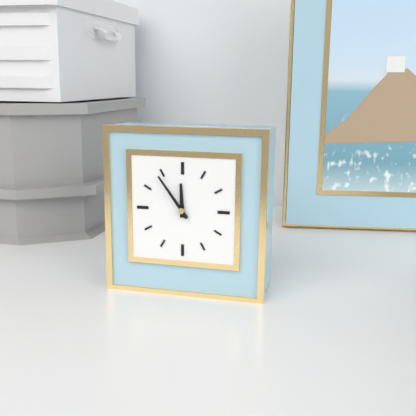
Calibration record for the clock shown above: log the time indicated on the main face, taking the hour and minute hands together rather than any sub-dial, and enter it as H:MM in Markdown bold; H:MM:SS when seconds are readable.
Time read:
**11:54**
